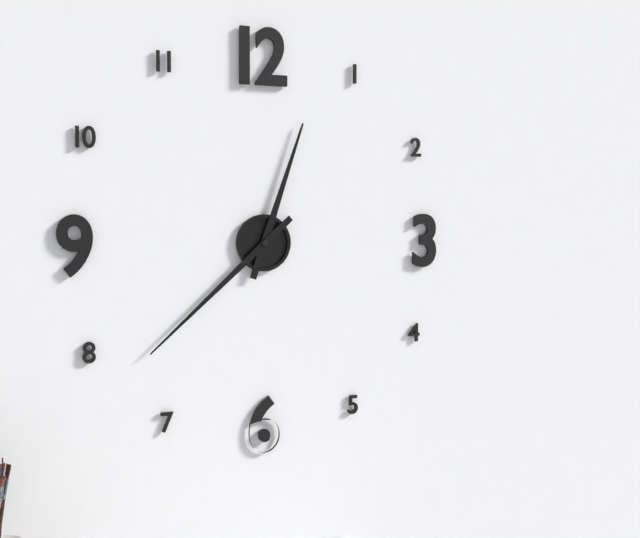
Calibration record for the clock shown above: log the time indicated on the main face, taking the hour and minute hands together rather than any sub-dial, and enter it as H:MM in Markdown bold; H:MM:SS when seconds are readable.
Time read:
**12:38**
